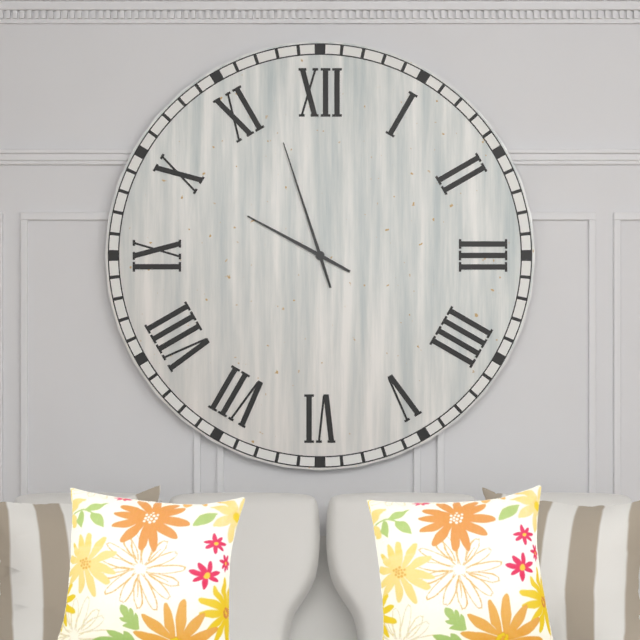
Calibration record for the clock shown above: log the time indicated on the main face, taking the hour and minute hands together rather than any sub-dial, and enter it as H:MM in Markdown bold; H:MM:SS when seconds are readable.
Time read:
**9:57**
